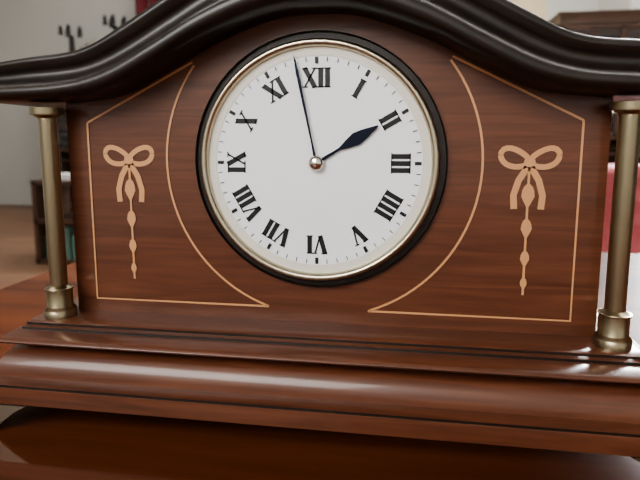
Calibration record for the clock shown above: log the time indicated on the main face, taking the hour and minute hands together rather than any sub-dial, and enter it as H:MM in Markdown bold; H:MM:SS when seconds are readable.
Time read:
**1:58**
